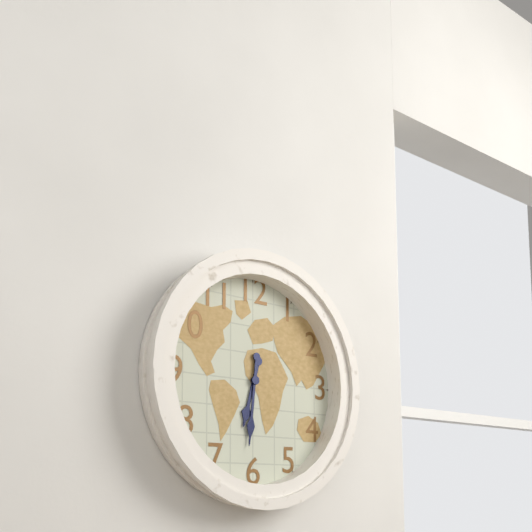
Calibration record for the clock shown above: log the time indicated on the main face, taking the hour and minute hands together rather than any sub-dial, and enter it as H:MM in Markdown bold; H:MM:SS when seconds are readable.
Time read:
**6:31**
